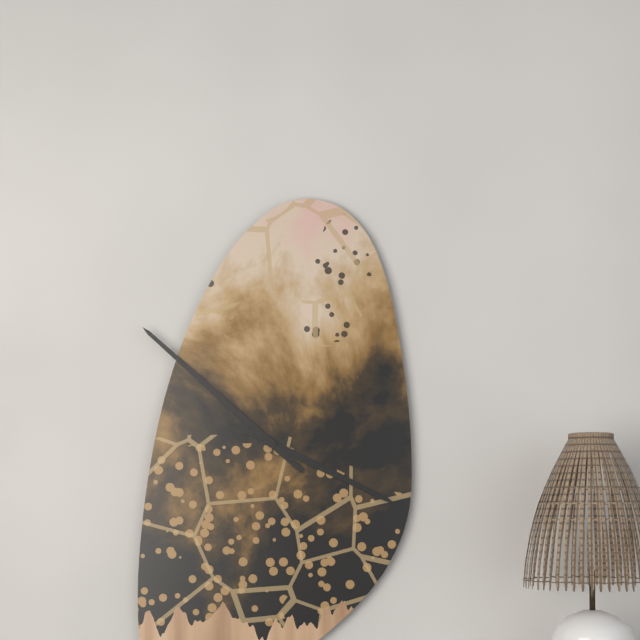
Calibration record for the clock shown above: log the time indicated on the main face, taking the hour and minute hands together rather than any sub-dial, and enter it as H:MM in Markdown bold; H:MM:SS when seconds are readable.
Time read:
**3:52**
